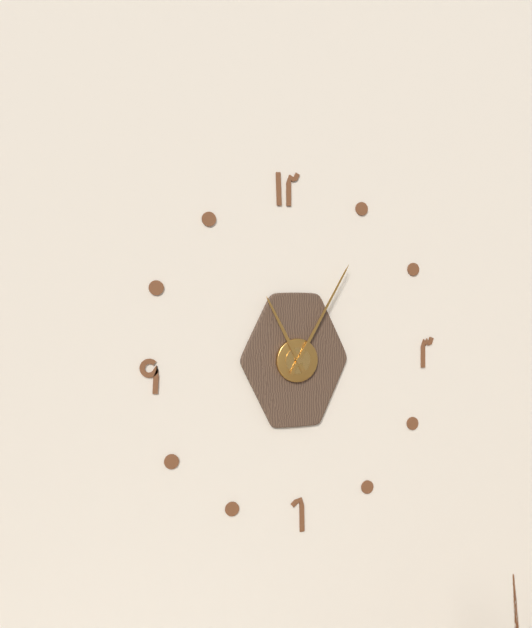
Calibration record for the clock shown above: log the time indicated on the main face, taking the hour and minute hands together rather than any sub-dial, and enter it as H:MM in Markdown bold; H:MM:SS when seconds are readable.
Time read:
**11:05**
